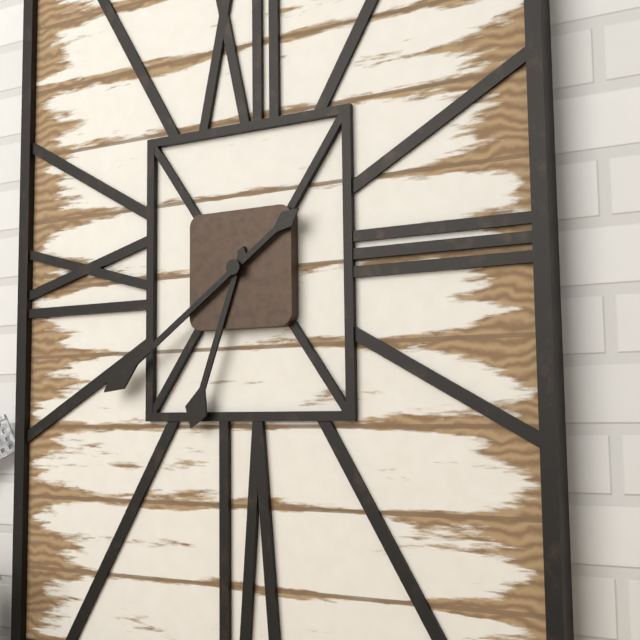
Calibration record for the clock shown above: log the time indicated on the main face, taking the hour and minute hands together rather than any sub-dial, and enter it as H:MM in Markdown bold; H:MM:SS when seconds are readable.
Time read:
**6:39**
